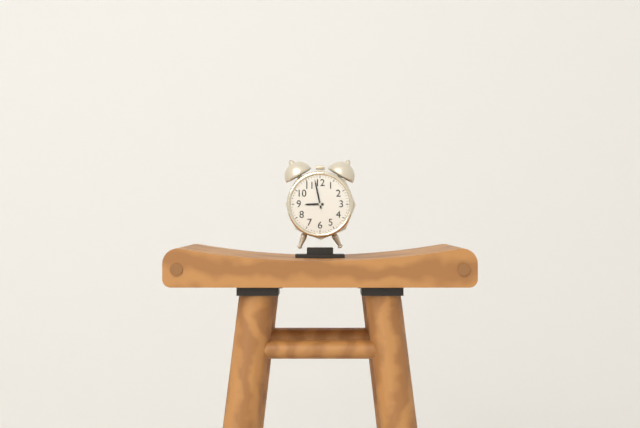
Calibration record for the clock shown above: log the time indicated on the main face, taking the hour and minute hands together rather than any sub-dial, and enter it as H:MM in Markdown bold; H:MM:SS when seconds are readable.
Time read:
**8:58**
